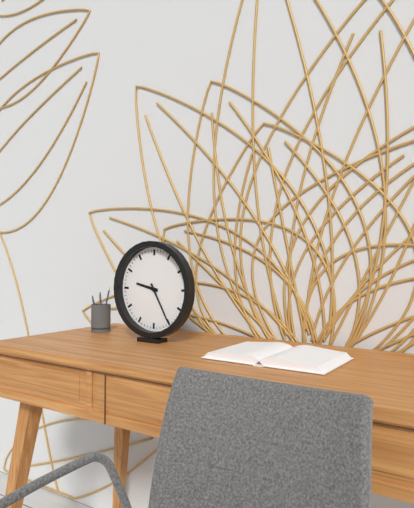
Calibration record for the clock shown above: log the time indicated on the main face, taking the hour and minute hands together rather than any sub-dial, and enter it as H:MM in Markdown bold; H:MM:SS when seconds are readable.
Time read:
**9:25**
